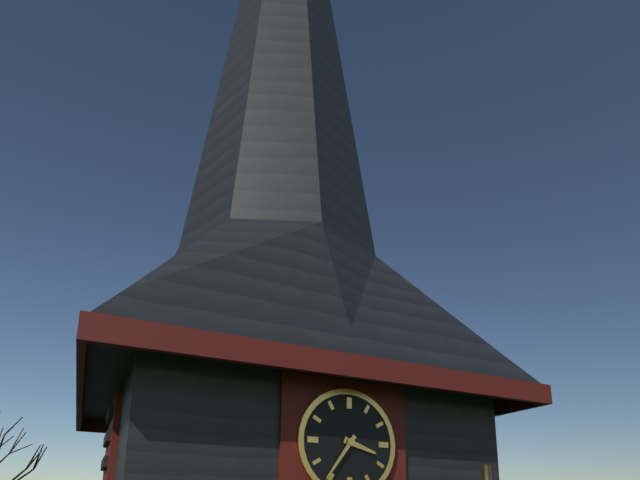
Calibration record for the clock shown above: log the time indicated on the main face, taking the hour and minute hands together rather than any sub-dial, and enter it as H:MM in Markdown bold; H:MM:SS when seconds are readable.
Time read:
**3:36**
